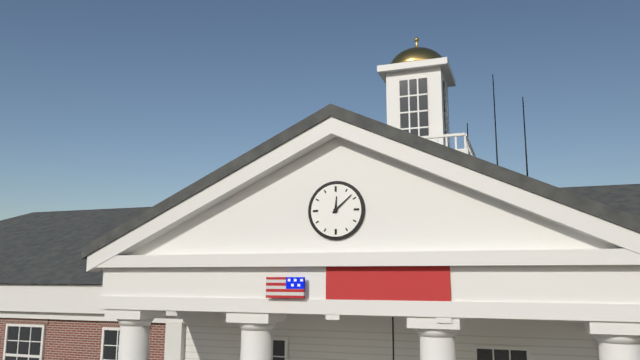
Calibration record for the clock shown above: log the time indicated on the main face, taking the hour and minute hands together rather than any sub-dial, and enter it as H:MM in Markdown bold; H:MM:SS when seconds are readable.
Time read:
**12:08**
